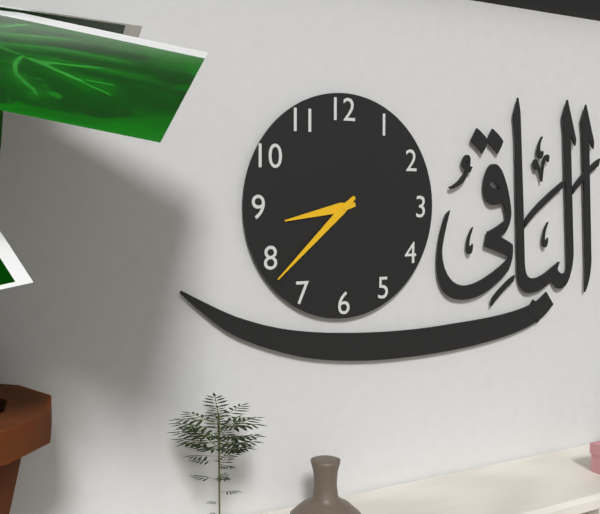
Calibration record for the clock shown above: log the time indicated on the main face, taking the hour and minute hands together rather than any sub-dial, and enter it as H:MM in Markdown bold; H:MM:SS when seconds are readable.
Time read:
**8:38**
